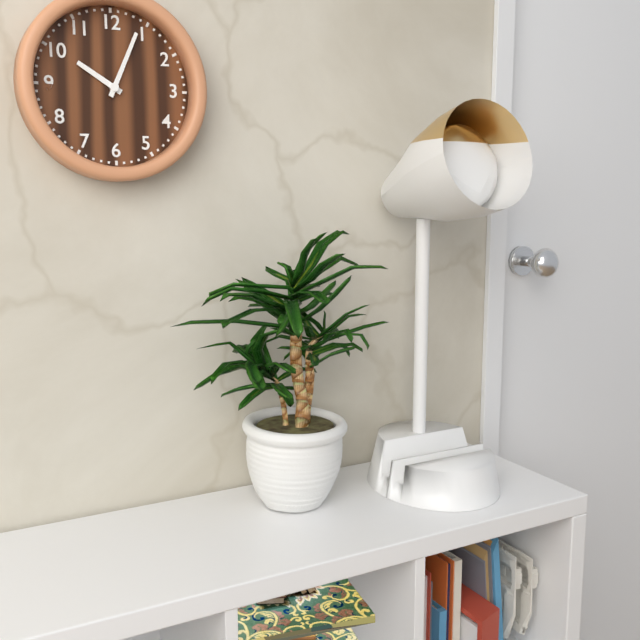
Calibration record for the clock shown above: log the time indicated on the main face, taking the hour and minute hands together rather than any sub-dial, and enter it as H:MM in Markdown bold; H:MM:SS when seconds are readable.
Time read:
**10:04**
